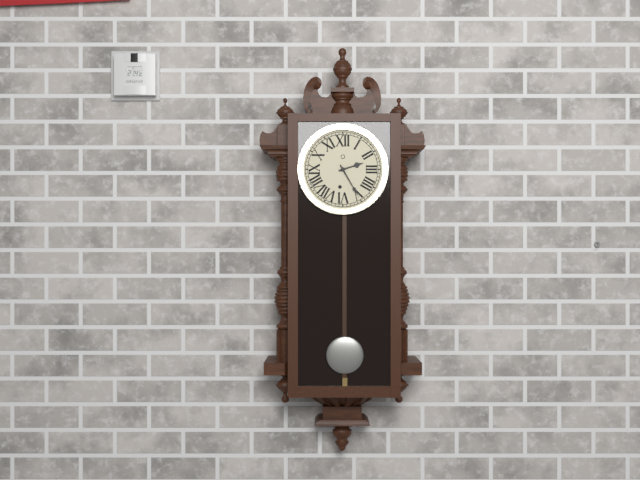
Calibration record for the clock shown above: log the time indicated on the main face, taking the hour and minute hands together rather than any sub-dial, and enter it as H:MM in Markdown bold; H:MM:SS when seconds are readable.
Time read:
**2:25**
